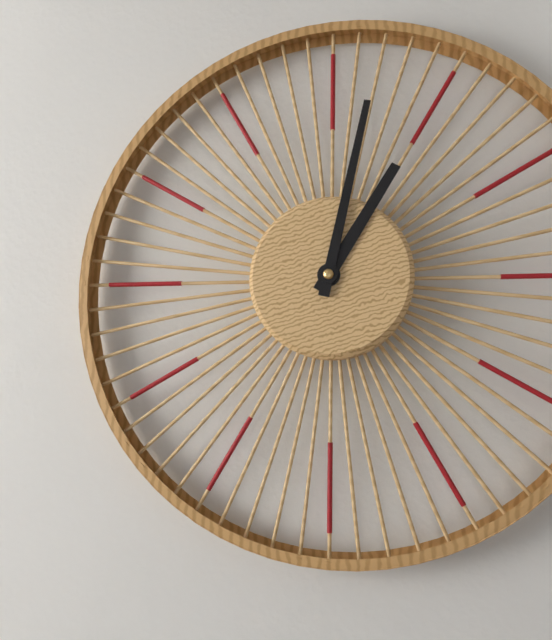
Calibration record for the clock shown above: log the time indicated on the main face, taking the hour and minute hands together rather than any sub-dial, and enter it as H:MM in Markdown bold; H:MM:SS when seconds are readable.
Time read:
**1:02**
